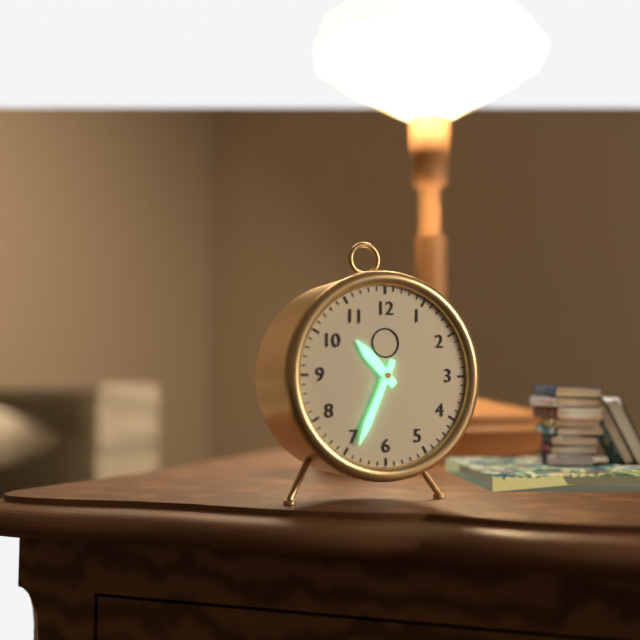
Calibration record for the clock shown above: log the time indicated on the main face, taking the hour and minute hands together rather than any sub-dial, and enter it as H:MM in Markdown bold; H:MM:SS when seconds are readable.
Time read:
**10:34**
